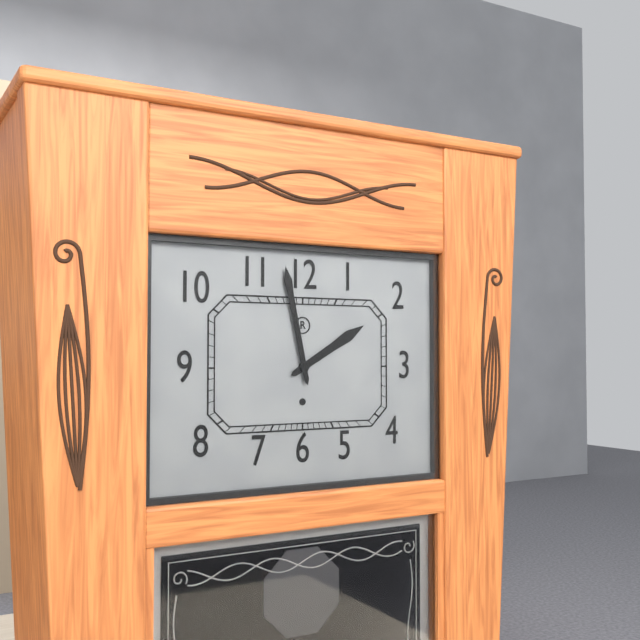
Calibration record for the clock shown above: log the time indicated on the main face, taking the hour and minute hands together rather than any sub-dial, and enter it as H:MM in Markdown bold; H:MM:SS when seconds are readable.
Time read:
**1:58**
